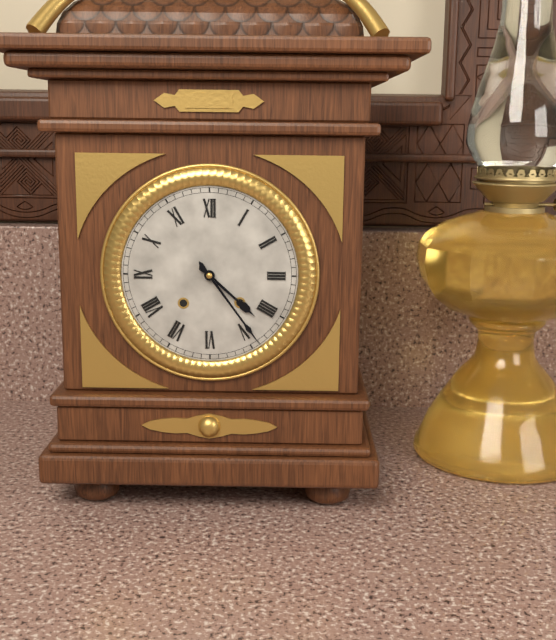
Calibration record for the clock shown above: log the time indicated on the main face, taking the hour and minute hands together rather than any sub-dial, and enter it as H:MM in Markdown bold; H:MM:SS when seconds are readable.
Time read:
**4:24**
